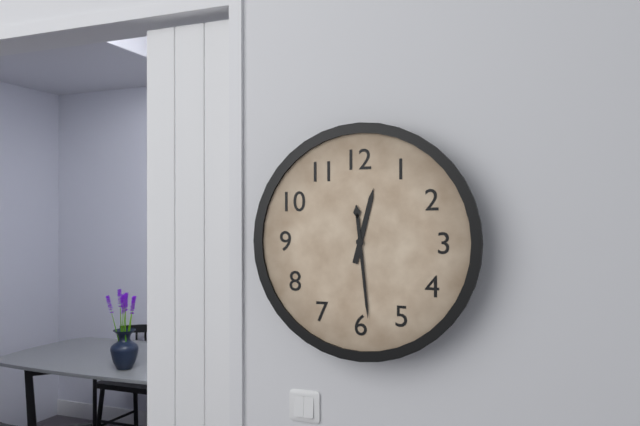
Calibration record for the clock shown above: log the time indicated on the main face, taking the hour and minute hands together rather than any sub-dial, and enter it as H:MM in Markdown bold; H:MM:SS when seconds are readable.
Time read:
**12:29**
